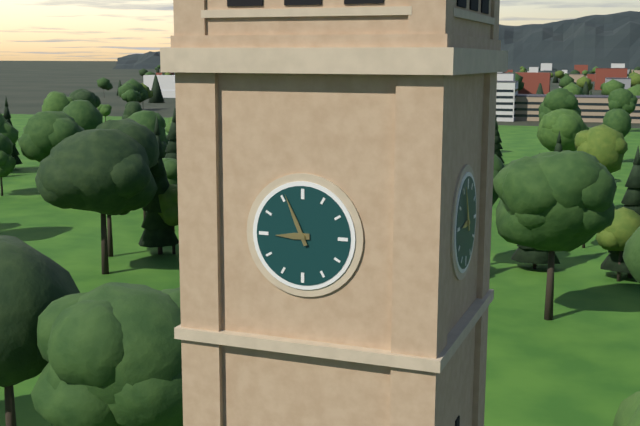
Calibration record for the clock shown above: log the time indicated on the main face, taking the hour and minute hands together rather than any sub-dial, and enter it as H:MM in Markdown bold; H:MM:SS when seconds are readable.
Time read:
**8:56**
